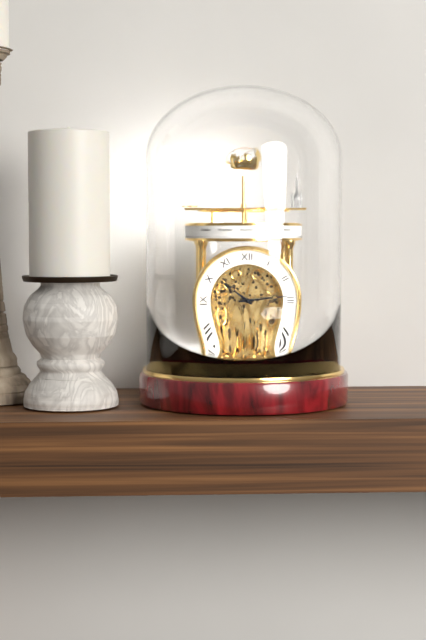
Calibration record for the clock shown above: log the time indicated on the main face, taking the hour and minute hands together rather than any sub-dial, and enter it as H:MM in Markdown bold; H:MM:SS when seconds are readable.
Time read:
**10:14**
